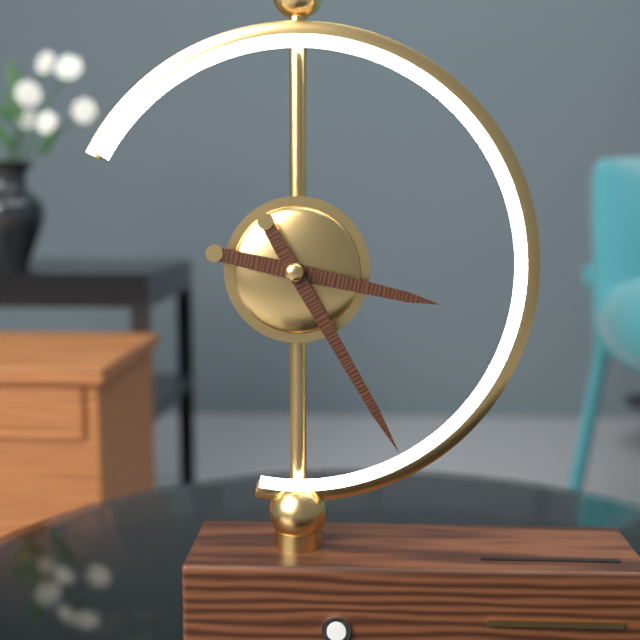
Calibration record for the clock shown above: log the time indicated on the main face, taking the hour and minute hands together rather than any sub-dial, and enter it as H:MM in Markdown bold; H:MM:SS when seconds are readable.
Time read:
**3:25**
